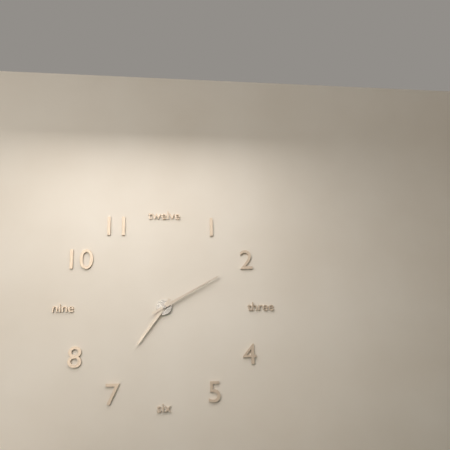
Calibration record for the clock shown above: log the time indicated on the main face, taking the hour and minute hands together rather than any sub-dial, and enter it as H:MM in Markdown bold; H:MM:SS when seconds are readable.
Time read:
**7:10**
